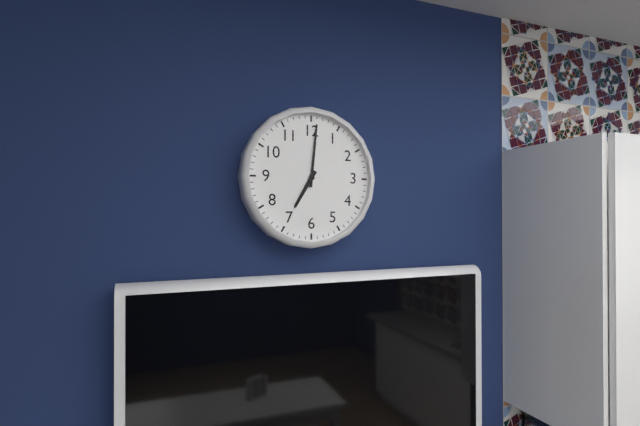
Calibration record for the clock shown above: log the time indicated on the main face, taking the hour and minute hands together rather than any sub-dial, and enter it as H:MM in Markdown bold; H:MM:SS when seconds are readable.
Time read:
**7:01**
